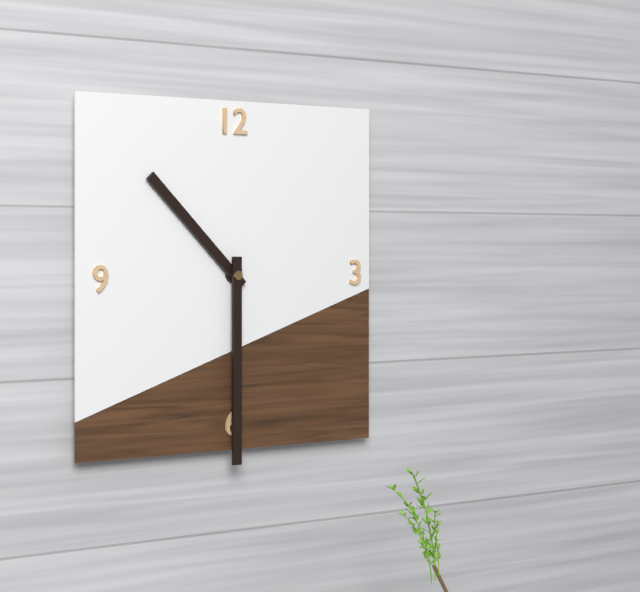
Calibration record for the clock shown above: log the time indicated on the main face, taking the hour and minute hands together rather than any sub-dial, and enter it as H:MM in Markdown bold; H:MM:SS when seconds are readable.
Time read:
**10:30**
